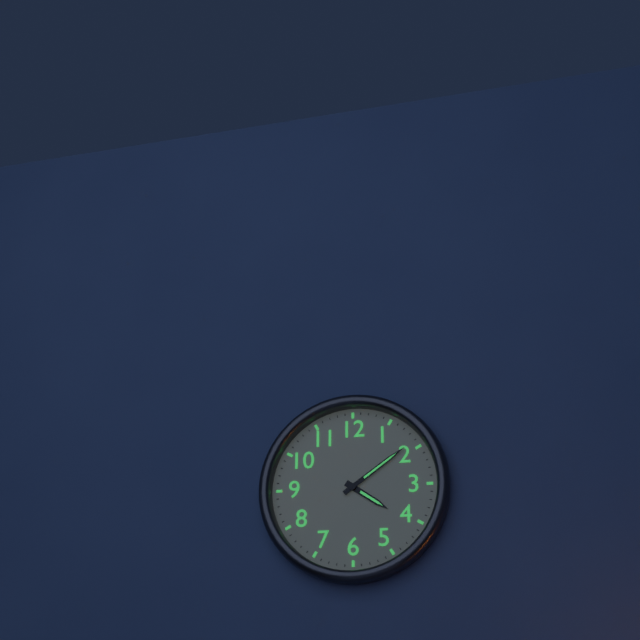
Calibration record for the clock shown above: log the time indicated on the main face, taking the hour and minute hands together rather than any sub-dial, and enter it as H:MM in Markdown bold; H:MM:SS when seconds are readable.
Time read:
**4:09**
